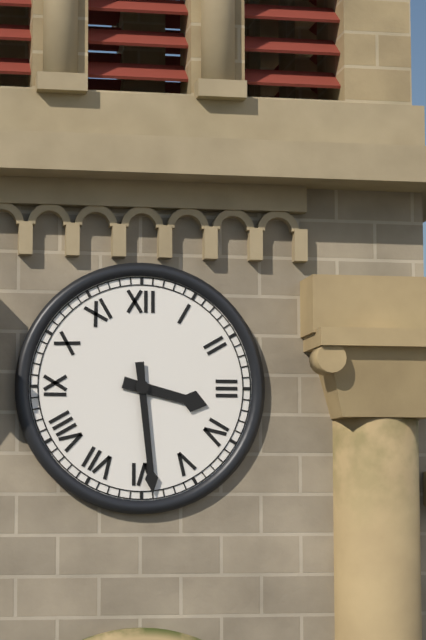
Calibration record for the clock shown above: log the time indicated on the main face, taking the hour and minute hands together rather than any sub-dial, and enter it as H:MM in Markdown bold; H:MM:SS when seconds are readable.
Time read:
**3:29**
